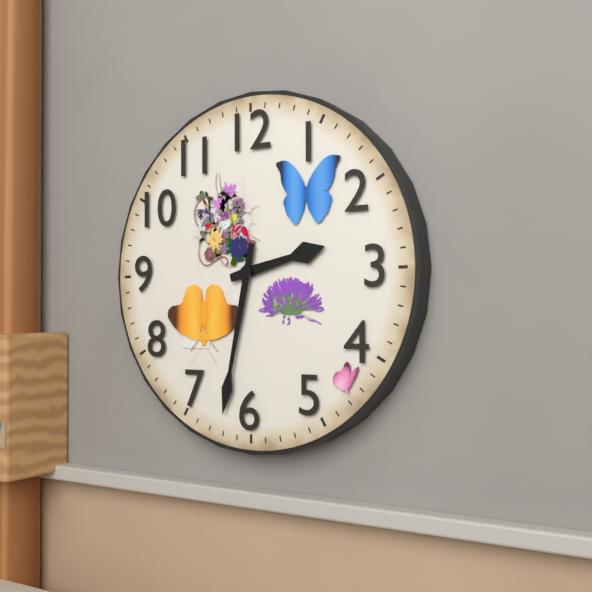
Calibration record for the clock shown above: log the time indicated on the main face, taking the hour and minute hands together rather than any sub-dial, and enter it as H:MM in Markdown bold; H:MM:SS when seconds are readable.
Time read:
**2:32**
